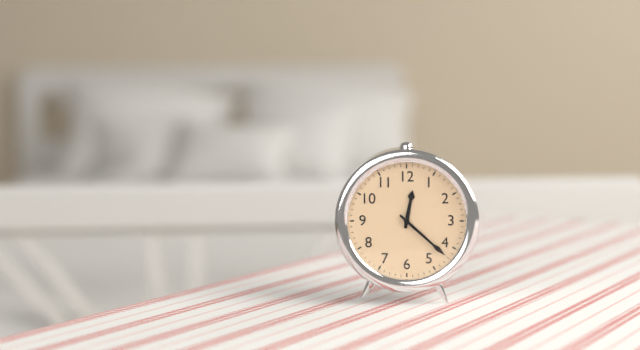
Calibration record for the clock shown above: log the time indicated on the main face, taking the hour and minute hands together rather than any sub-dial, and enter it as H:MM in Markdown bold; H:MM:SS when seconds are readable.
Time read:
**12:22**
